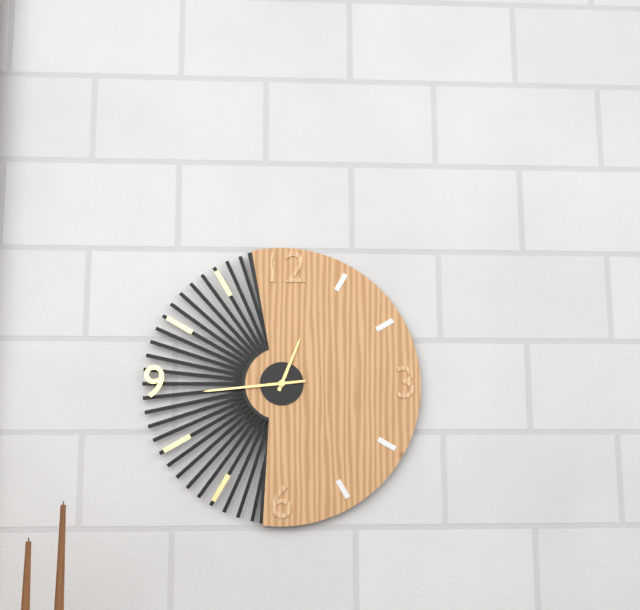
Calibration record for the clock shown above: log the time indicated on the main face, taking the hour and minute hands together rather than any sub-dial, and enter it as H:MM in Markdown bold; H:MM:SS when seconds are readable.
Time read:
**12:44**
